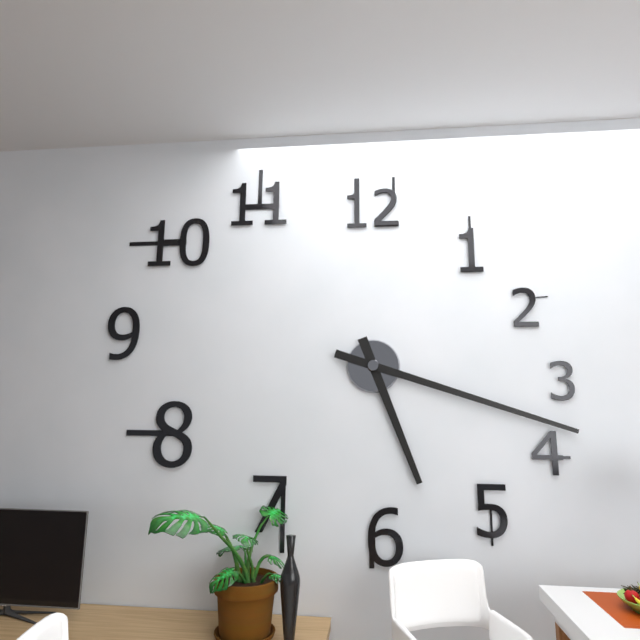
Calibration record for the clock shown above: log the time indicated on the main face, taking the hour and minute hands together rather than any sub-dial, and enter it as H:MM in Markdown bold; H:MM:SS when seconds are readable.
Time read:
**5:18**
